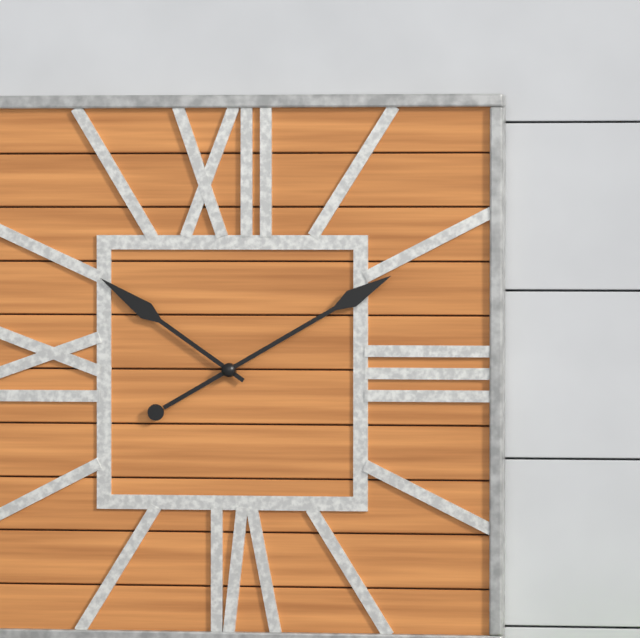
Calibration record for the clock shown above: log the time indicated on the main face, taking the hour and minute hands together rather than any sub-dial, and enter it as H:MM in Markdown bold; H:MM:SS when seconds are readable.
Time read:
**10:10**
